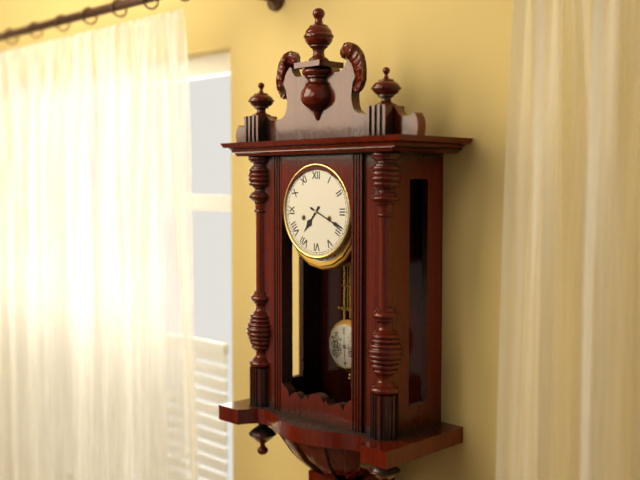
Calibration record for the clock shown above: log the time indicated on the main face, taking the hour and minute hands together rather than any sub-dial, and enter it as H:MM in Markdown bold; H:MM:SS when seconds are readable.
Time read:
**7:19**
